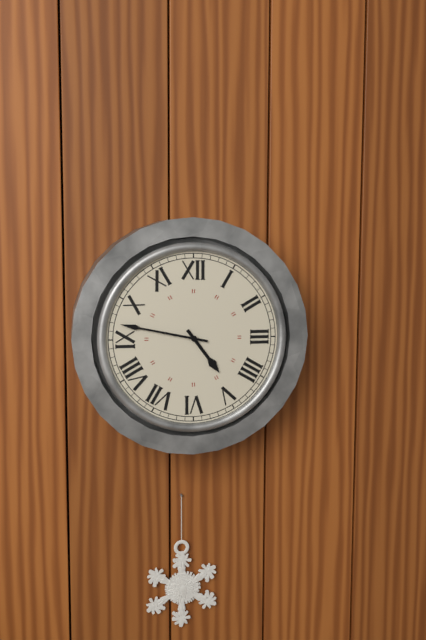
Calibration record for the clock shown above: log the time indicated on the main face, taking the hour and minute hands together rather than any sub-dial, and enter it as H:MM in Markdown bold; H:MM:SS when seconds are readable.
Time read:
**4:47**
